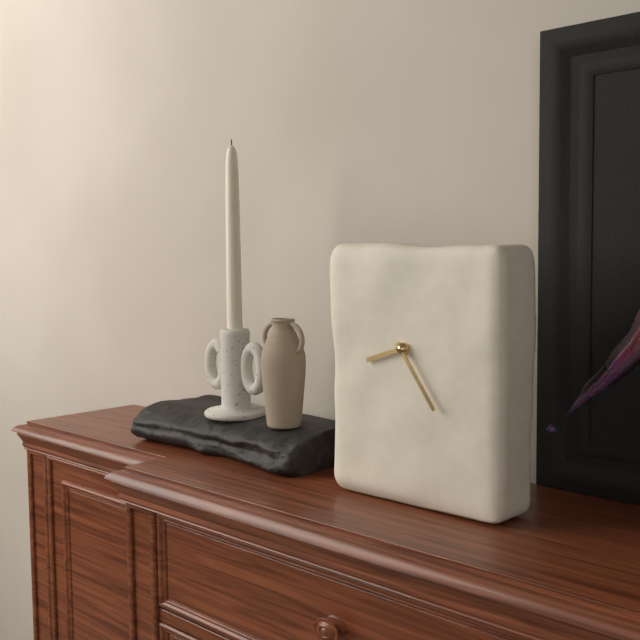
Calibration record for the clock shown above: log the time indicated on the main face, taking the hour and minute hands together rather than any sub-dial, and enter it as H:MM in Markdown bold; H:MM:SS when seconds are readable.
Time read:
**8:24**
